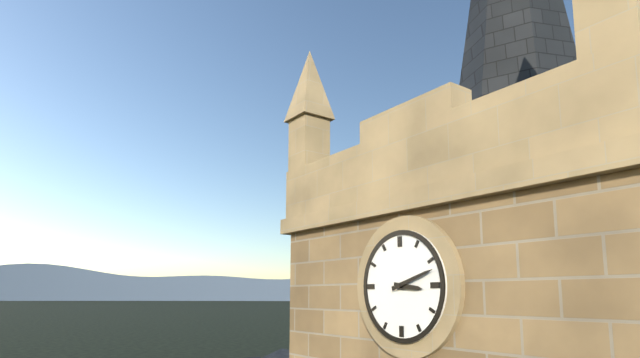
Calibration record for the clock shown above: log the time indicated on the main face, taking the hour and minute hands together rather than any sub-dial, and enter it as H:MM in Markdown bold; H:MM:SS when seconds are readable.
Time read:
**3:12**
